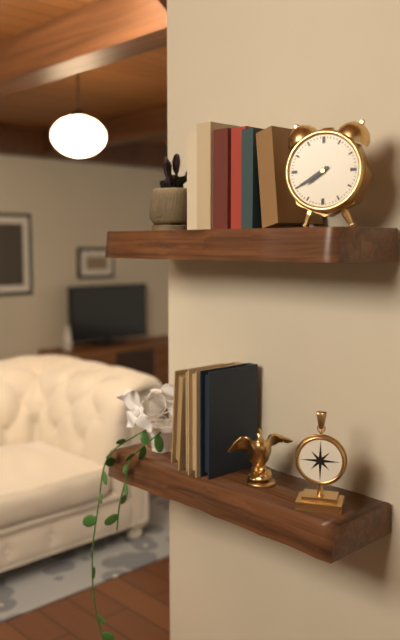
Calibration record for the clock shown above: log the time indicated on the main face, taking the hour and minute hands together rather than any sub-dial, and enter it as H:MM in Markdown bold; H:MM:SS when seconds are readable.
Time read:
**7:40**
